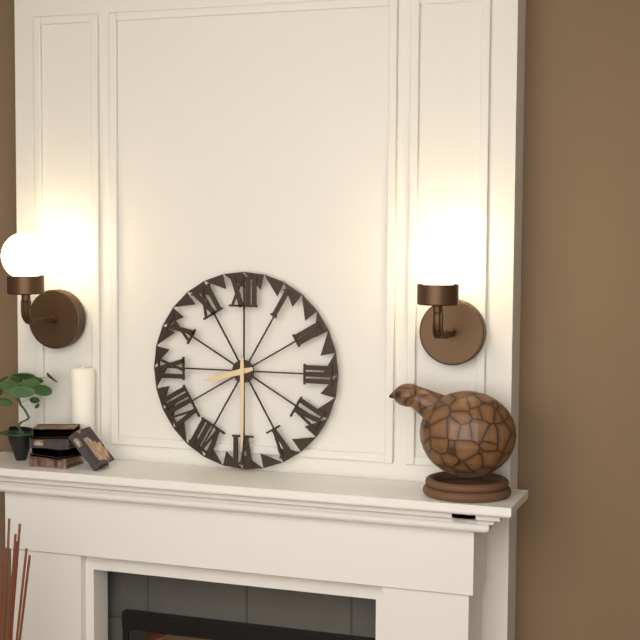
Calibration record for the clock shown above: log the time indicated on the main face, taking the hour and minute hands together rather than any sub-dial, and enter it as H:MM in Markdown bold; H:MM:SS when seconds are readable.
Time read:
**8:30**
